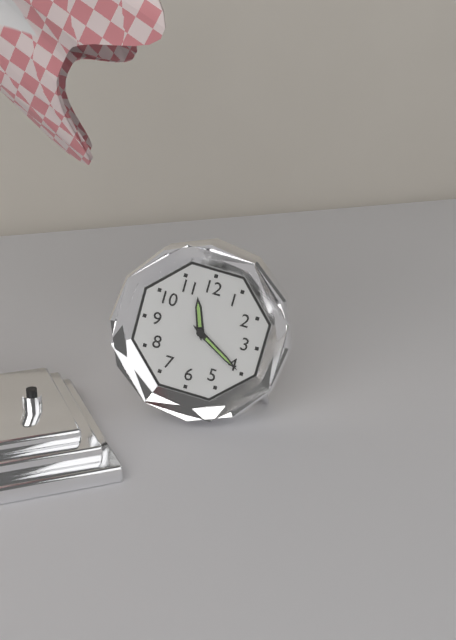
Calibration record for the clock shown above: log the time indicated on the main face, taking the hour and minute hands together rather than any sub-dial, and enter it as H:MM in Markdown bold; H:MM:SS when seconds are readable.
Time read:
**11:20**
